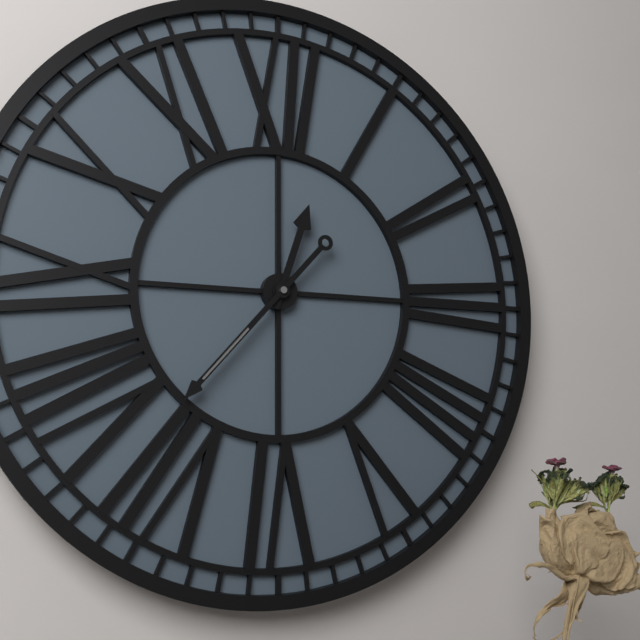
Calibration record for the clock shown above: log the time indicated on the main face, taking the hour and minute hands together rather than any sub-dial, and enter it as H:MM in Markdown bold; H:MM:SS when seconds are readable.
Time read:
**12:37**
